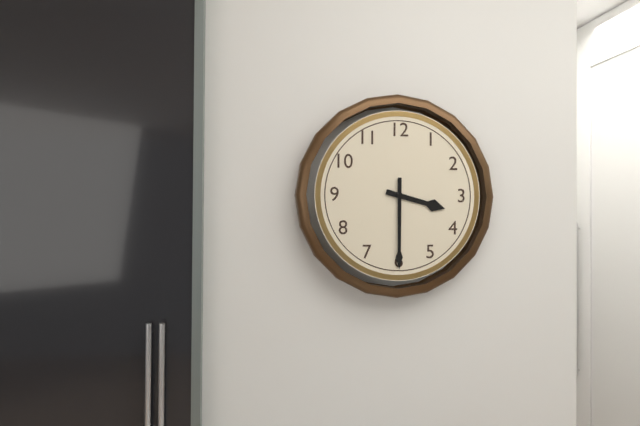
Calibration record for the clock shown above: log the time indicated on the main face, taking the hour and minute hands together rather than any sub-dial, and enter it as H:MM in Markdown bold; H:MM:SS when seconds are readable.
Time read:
**3:30**
